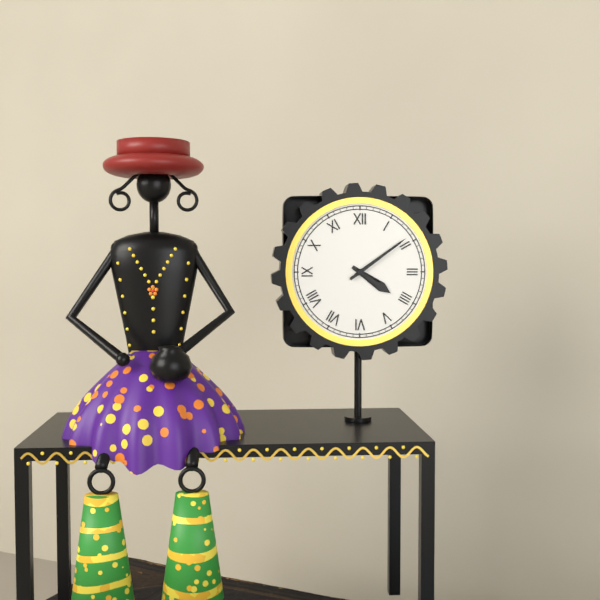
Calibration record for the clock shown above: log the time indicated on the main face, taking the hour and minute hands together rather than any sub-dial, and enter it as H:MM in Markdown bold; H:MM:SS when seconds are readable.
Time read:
**4:09**
